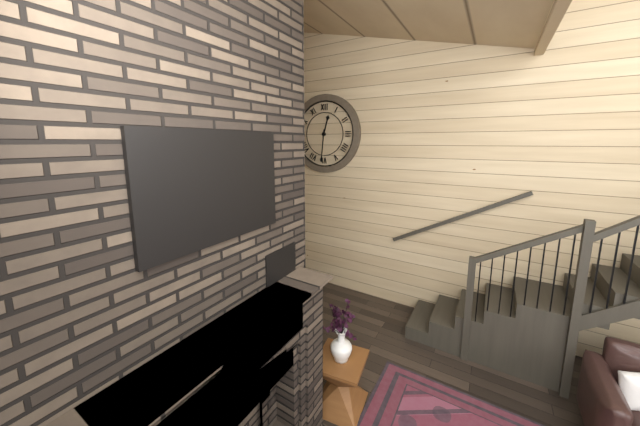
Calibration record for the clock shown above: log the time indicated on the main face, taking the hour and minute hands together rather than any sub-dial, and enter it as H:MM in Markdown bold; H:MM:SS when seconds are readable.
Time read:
**12:31**
